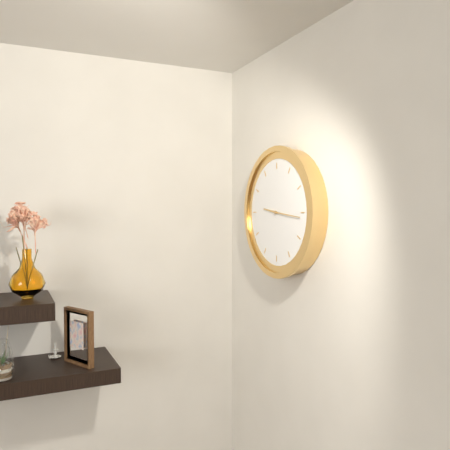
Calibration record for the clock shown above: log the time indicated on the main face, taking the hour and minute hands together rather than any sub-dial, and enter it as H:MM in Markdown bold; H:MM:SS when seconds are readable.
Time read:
**9:16**
